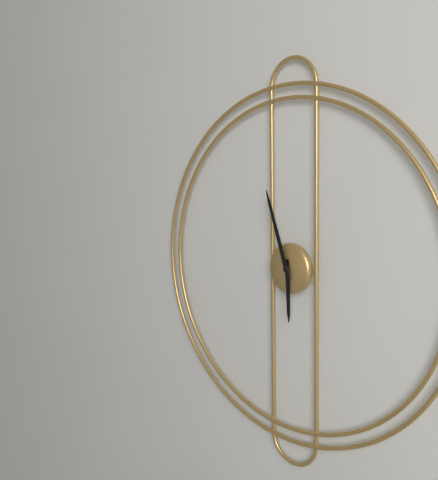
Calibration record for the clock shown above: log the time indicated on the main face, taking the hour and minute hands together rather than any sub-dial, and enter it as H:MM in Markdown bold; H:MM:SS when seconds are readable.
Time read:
**5:57**
